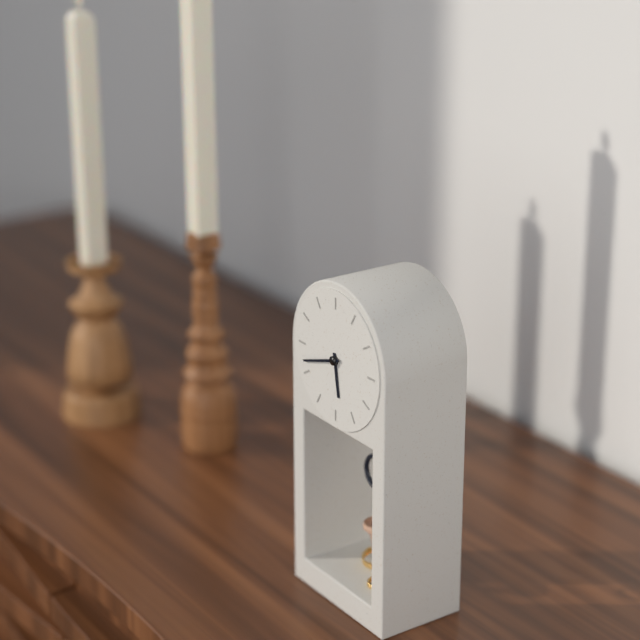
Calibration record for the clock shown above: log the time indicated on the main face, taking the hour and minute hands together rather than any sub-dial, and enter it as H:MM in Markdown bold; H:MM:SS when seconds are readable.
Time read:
**5:42**
